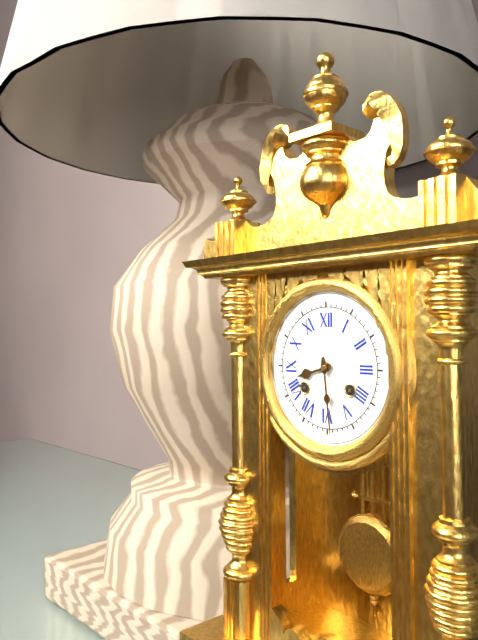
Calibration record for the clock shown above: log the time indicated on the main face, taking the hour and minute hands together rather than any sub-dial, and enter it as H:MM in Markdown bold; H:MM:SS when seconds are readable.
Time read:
**8:29**
